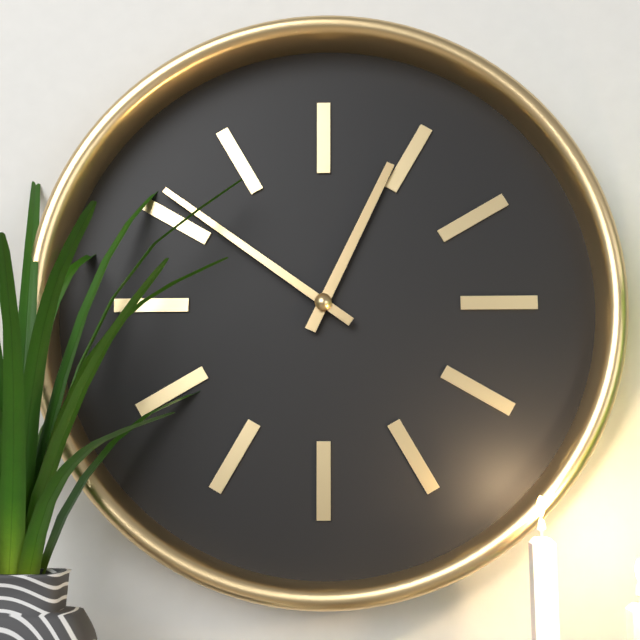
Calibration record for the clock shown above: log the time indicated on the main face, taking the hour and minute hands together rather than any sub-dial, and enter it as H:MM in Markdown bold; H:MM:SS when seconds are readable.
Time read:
**12:51**
